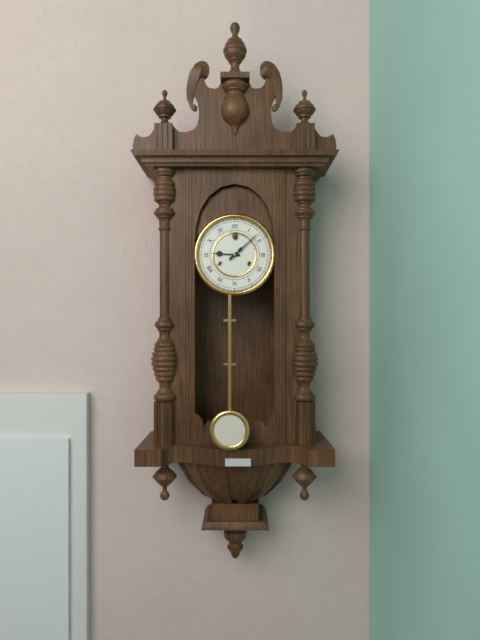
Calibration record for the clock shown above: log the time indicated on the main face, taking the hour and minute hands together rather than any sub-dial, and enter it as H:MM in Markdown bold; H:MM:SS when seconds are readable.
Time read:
**9:08**
